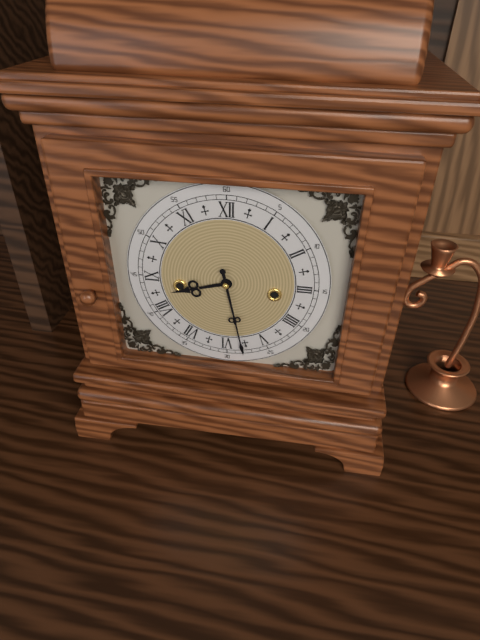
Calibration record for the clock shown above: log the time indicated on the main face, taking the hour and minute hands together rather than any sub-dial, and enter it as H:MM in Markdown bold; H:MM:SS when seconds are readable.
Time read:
**8:28**
